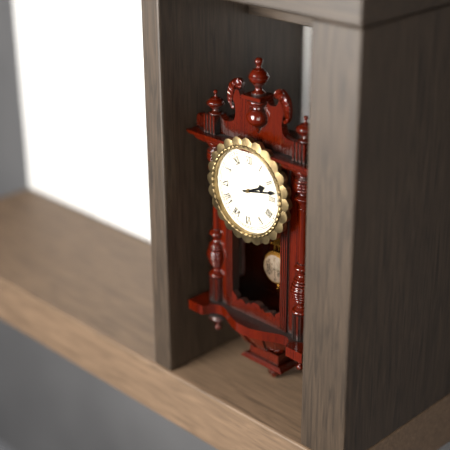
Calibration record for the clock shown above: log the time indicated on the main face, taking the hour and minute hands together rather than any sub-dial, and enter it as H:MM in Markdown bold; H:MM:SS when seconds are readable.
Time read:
**2:13**
